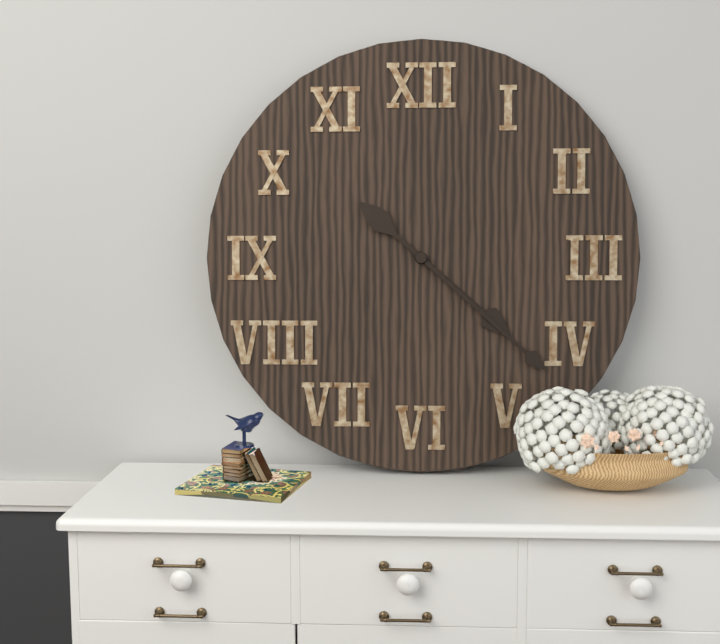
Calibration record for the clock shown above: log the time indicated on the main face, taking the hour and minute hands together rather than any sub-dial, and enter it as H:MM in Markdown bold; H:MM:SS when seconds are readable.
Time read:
**4:22**
